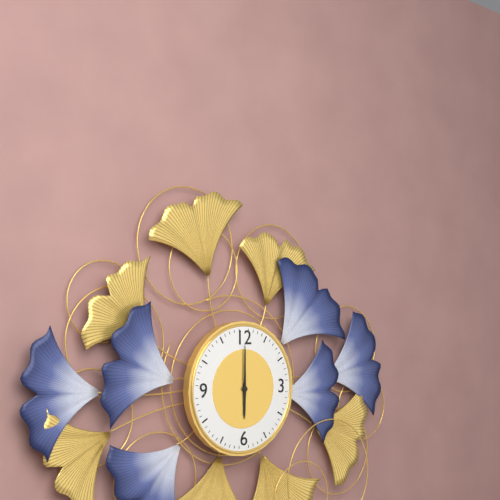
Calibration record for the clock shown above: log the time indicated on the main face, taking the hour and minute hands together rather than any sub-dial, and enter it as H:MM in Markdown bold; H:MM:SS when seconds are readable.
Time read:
**6:00**
